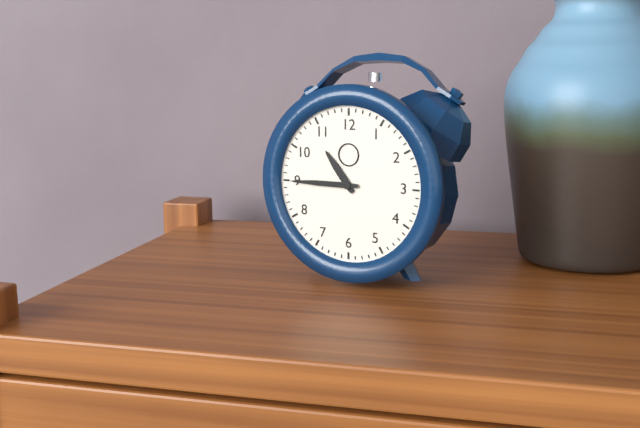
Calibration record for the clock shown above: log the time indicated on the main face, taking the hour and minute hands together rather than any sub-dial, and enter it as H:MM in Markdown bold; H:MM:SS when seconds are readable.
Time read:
**10:45**
